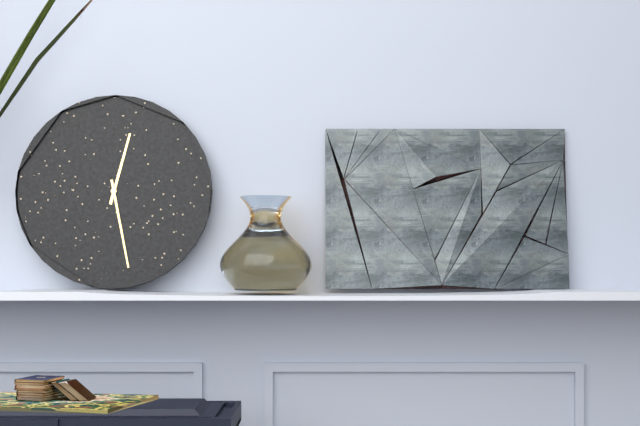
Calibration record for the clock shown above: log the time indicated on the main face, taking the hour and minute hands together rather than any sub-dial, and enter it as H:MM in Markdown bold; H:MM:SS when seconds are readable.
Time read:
**12:28**
